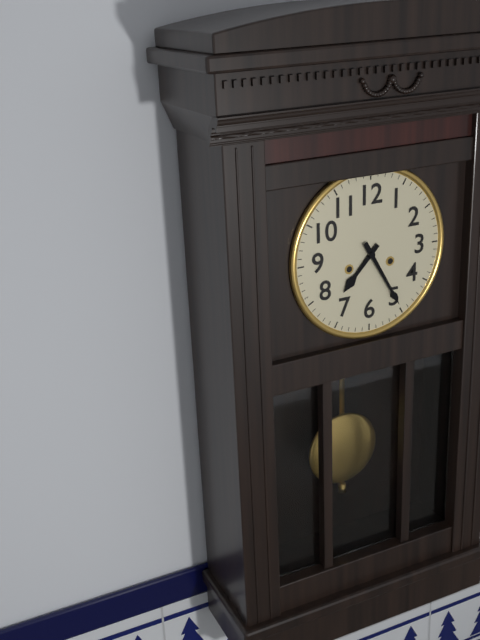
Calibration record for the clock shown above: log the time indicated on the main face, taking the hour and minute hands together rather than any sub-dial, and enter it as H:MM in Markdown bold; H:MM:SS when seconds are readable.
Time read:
**7:25**
